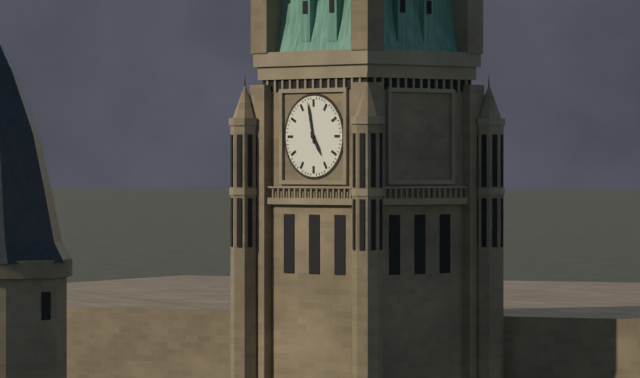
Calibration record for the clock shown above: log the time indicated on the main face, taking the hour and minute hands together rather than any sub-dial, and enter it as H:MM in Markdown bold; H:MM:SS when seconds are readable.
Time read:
**4:58**
